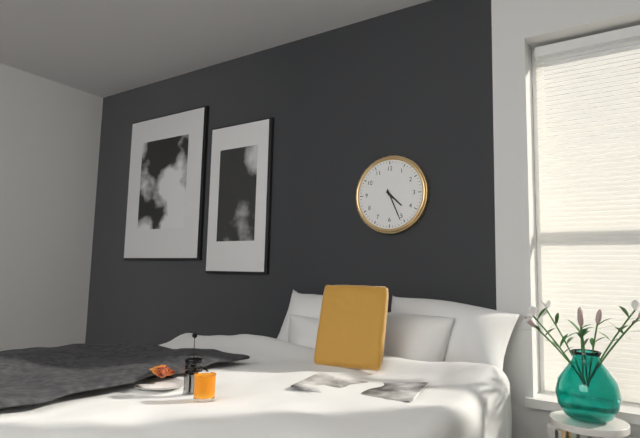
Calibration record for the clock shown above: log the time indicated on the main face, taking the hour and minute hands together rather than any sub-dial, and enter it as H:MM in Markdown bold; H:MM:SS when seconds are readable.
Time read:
**4:26**
